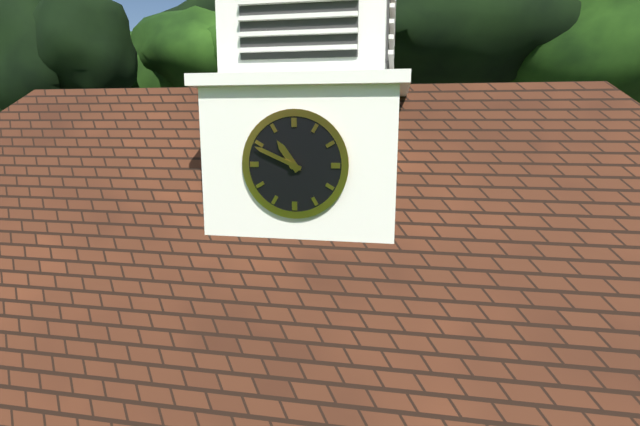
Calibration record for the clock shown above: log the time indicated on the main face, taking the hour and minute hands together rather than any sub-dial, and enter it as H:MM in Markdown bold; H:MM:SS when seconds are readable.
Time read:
**10:49**
